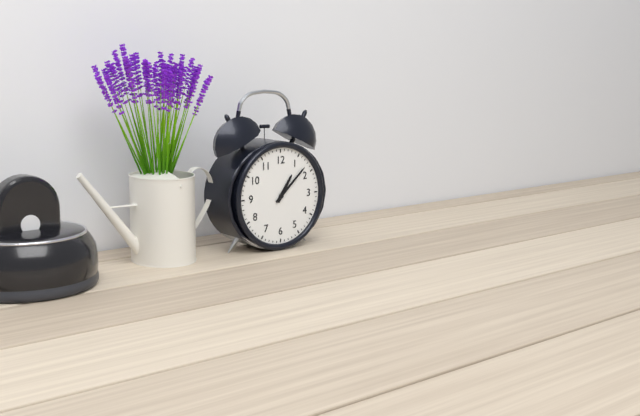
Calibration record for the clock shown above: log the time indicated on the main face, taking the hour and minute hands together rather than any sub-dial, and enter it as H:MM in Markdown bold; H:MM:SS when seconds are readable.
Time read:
**1:08**
